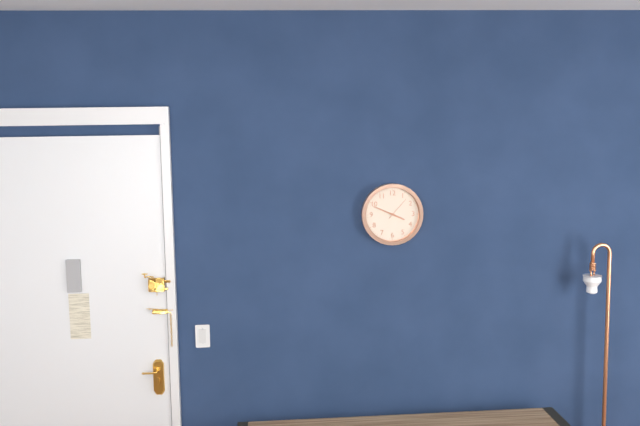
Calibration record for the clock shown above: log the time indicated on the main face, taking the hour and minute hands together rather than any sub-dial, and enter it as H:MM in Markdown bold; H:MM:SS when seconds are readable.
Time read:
**3:49**
